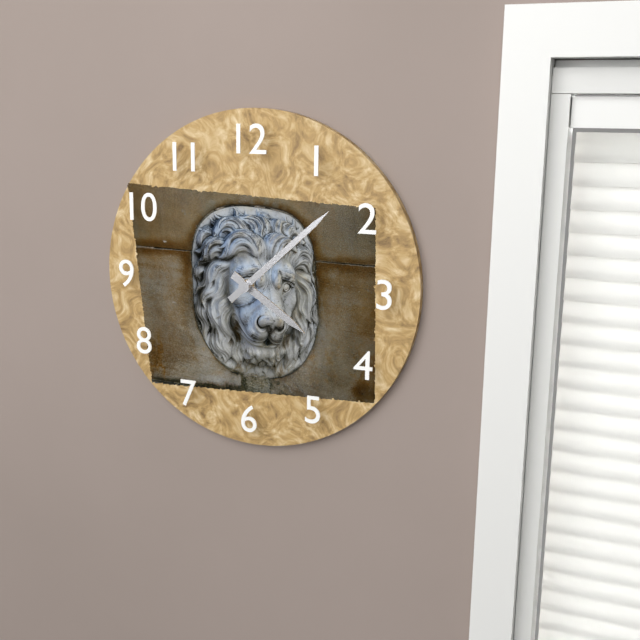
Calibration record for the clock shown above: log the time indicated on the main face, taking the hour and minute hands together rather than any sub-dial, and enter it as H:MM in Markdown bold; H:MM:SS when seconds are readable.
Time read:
**4:08**
